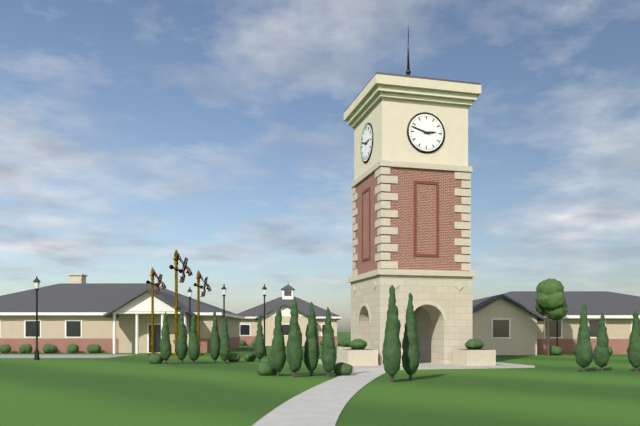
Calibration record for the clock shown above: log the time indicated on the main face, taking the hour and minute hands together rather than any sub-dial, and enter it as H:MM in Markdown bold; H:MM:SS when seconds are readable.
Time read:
**2:48**
